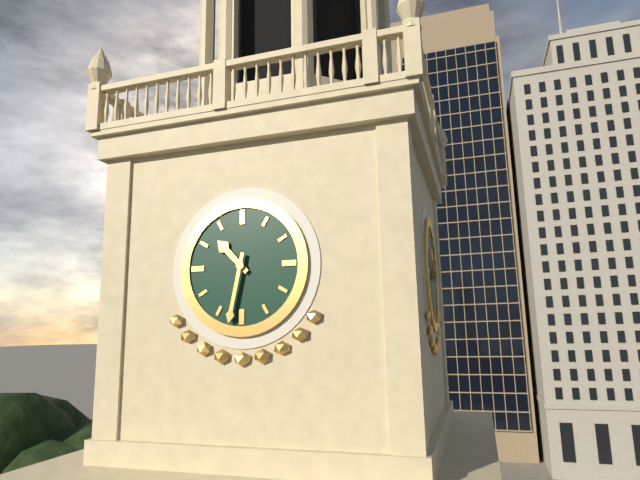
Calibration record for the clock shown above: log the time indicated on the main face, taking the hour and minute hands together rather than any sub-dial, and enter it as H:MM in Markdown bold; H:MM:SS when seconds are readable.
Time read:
**10:32**
